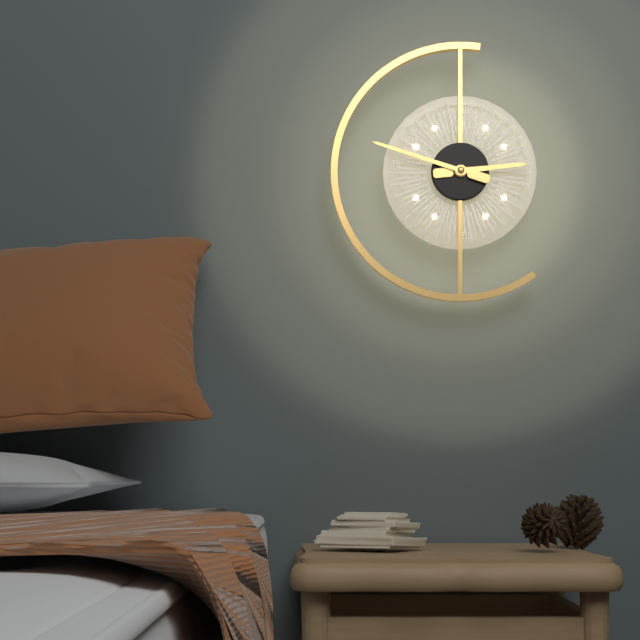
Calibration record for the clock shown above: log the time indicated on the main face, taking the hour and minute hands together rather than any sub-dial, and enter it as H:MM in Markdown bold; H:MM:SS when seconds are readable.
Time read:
**2:48**
